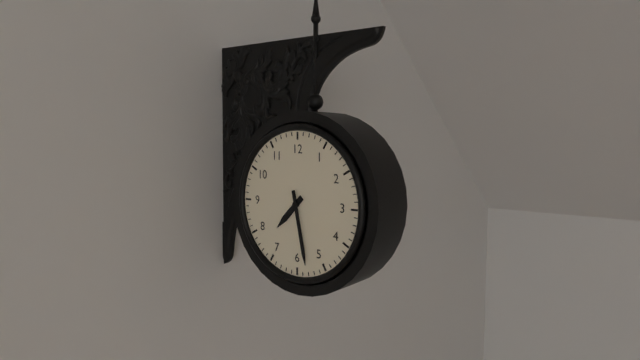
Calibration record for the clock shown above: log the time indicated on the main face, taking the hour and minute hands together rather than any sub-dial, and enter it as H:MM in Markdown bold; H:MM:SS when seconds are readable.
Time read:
**7:28**
